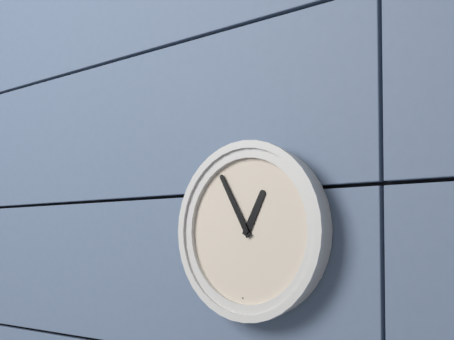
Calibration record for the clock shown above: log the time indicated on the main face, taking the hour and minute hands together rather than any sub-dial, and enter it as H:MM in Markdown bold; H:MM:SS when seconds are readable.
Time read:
**12:55**
